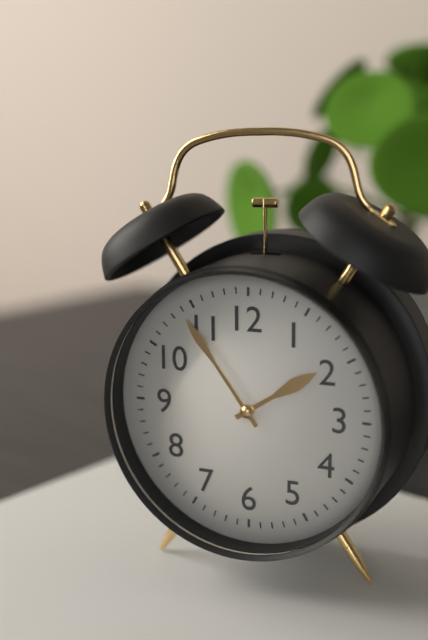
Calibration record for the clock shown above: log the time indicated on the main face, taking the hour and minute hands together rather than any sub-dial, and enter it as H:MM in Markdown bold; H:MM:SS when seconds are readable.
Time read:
**1:54**
